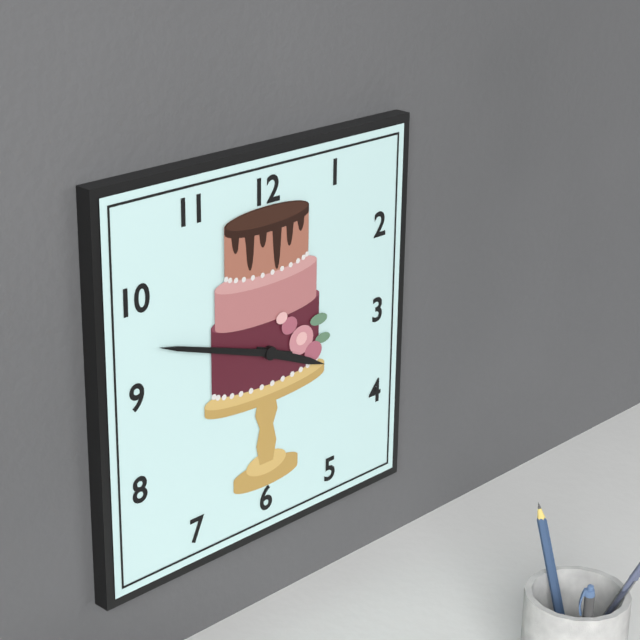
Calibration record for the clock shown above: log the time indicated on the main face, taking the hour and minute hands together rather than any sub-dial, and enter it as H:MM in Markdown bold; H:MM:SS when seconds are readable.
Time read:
**3:48**
